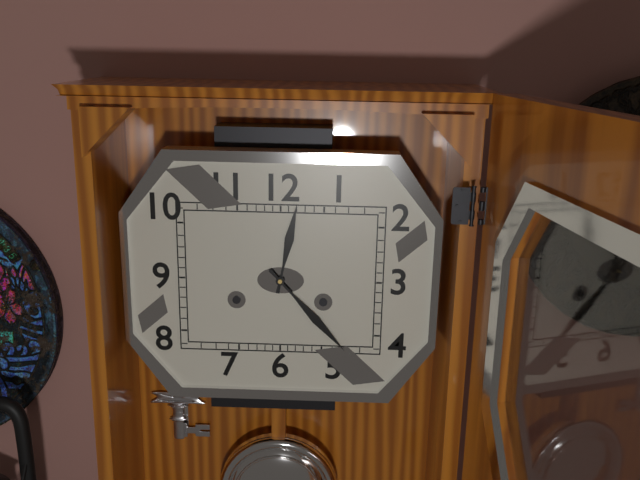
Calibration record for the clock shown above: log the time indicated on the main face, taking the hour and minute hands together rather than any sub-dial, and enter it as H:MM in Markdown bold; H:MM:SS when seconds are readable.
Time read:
**12:23**
